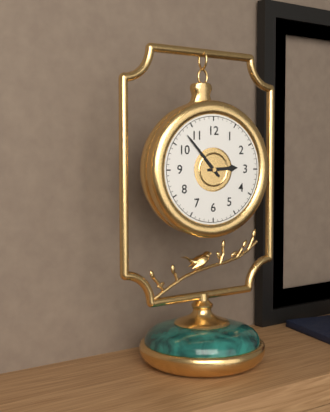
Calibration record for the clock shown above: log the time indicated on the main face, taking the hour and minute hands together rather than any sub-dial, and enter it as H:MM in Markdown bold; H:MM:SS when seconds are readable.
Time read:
**2:53**
